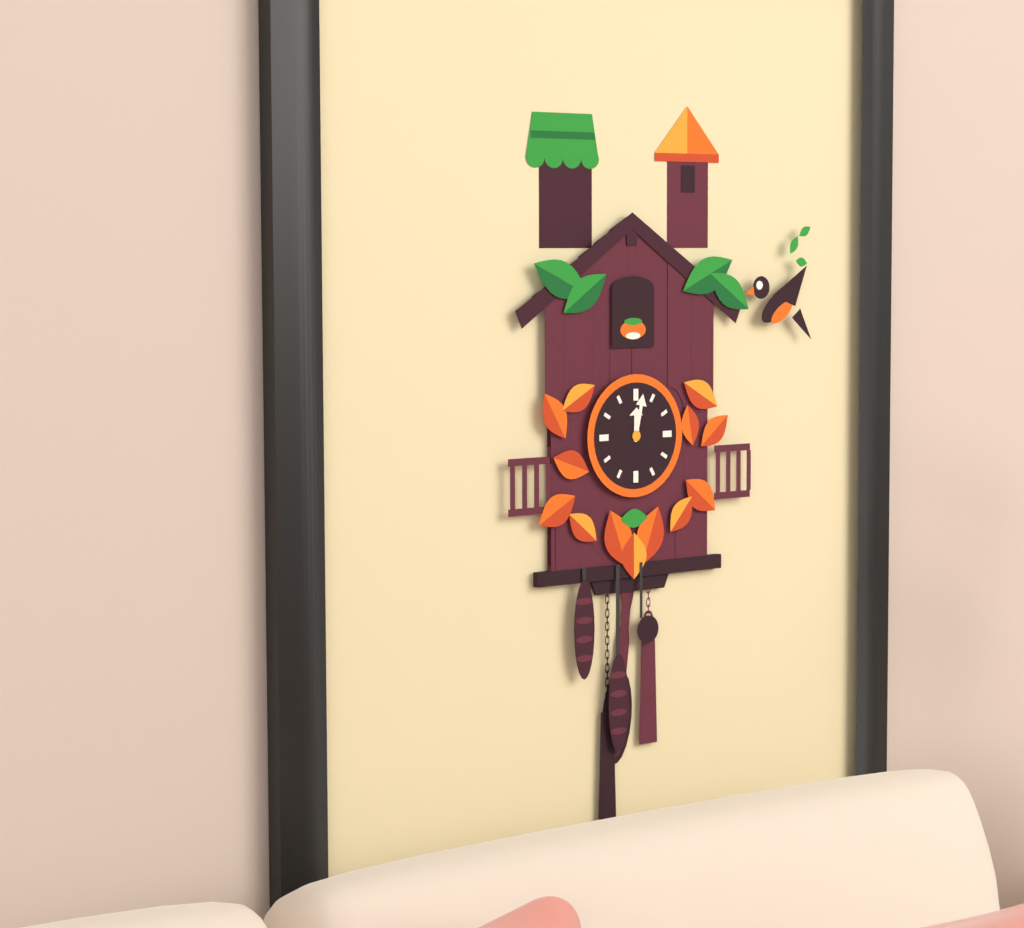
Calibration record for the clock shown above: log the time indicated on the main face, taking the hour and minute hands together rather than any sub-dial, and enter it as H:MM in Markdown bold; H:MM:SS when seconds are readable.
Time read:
**12:02**
